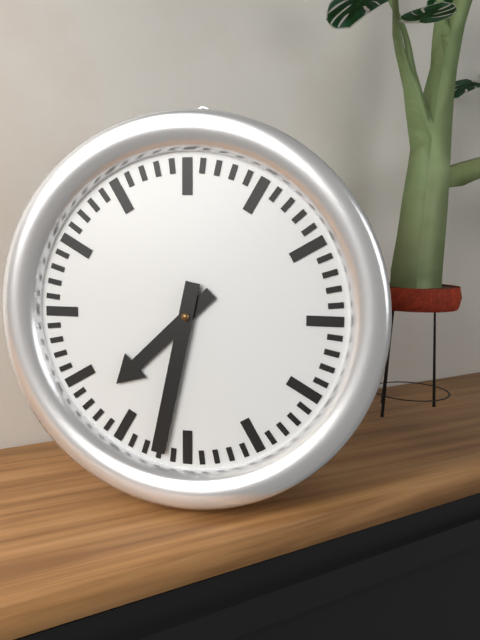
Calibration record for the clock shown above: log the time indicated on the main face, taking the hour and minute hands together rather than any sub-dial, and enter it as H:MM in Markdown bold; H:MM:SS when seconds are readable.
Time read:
**7:32**
